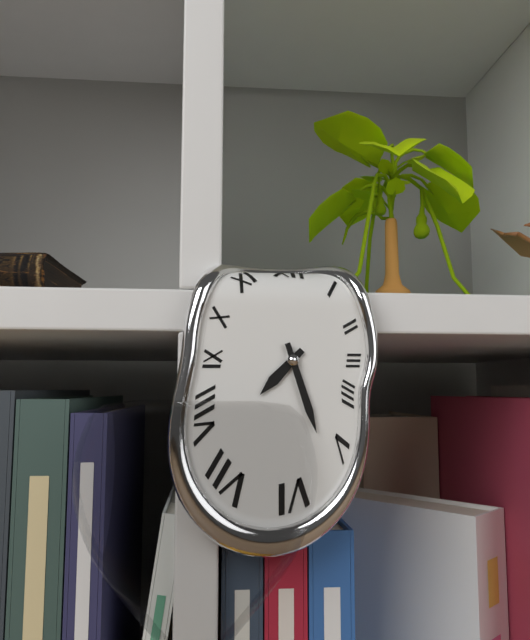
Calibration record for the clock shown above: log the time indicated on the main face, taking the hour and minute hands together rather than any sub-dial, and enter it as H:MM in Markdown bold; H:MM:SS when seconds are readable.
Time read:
**7:27**
